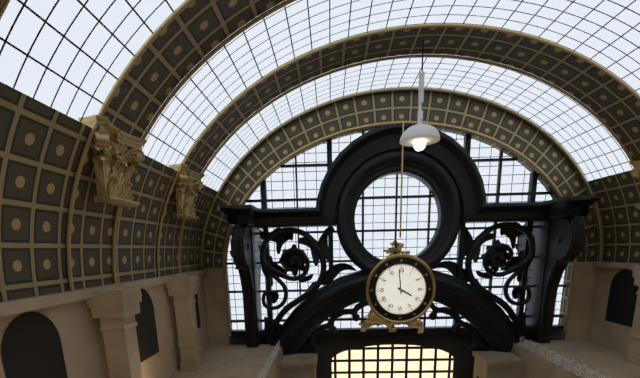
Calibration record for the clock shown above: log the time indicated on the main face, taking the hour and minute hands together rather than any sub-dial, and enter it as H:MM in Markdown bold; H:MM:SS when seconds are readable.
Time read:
**3:59**
